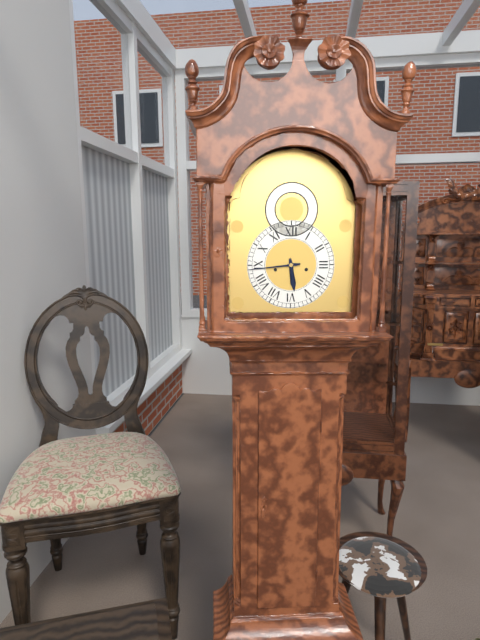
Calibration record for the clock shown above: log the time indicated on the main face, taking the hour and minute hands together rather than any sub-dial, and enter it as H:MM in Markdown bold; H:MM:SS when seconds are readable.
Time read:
**5:44**
